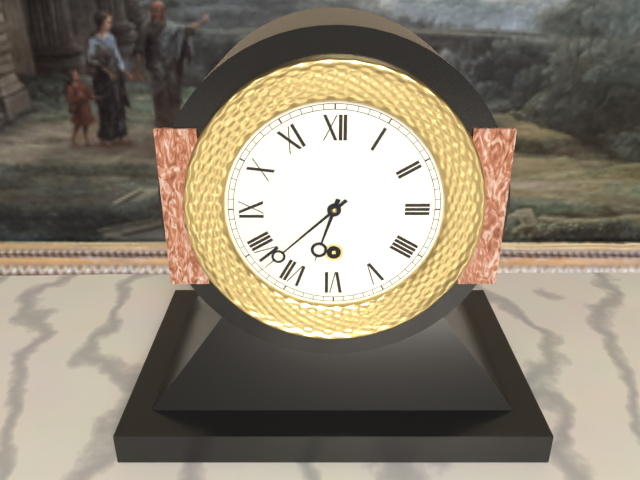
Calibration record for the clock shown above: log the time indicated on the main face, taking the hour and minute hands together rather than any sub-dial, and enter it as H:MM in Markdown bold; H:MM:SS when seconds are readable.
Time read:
**6:38**
